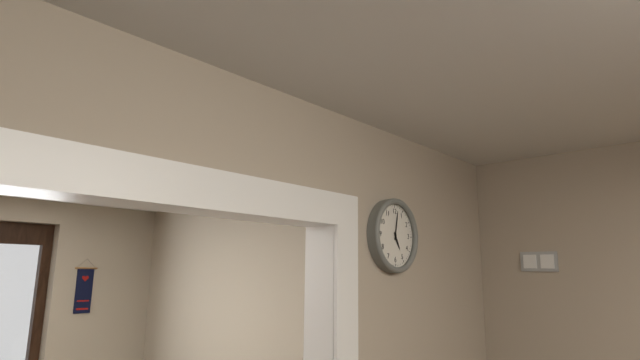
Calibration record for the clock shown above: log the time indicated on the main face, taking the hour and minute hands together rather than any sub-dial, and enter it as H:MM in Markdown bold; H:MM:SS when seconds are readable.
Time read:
**5:02**
